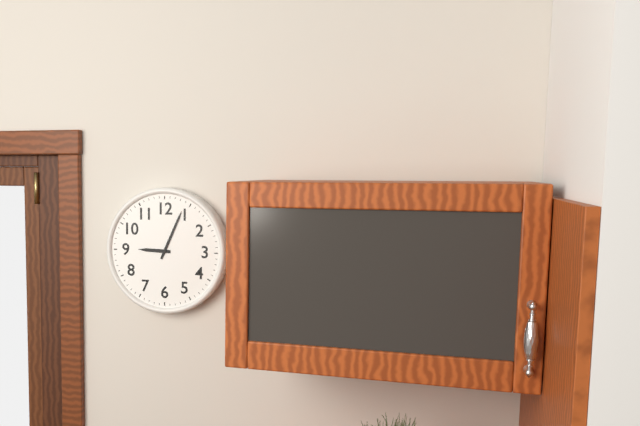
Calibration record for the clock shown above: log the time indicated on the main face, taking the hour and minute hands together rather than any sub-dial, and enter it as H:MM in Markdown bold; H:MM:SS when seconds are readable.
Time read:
**9:04**
